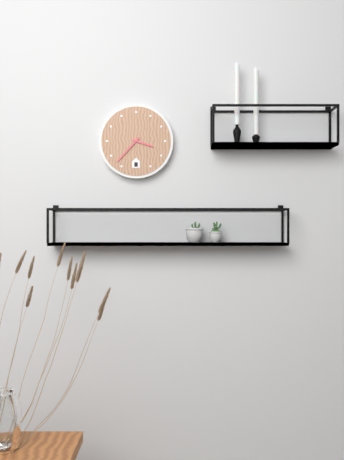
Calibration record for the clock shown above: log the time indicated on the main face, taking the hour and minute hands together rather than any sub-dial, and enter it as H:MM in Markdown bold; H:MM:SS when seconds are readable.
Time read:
**3:37**
